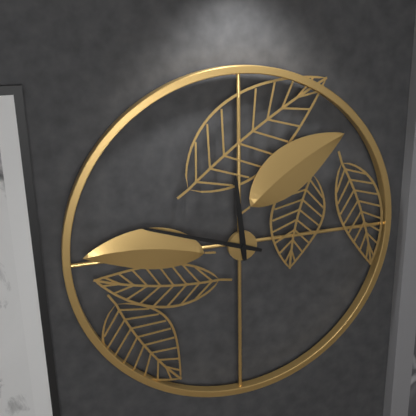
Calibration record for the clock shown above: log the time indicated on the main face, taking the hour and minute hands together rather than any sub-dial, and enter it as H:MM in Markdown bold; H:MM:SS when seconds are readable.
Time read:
**11:48**
